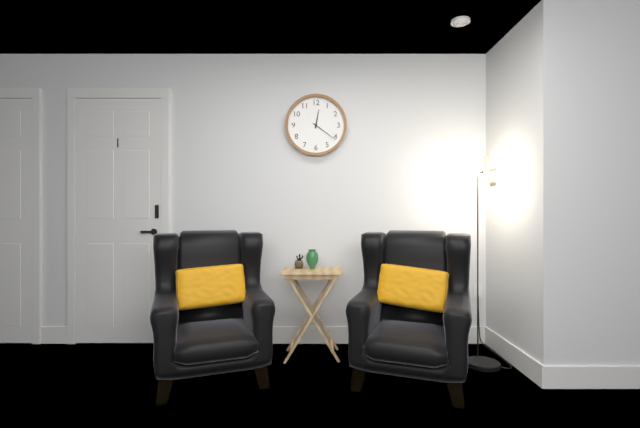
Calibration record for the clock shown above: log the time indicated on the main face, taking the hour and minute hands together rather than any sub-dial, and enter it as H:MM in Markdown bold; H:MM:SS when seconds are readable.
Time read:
**12:21**
